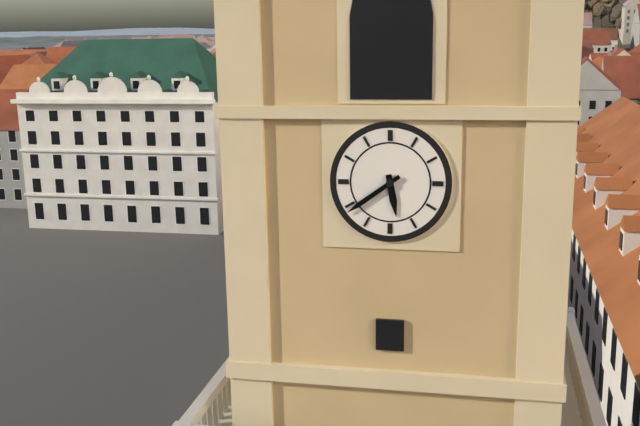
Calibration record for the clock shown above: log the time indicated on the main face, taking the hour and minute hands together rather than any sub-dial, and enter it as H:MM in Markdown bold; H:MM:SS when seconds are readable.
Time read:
**5:39**
